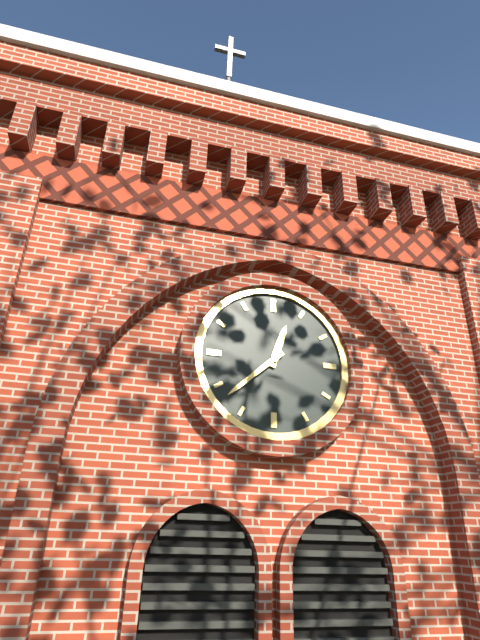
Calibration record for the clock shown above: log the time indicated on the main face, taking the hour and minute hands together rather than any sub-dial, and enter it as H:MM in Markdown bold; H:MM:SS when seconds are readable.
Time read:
**12:38**
